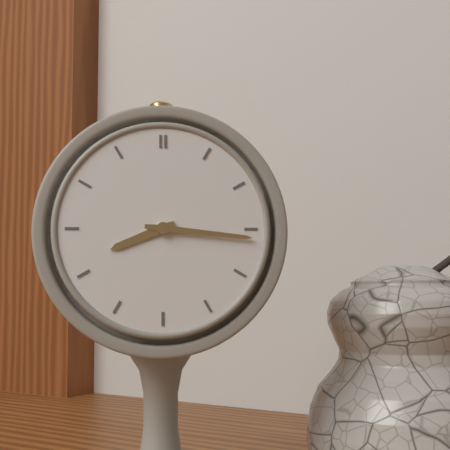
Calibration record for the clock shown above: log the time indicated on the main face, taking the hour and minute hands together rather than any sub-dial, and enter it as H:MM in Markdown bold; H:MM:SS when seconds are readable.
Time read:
**8:16**
